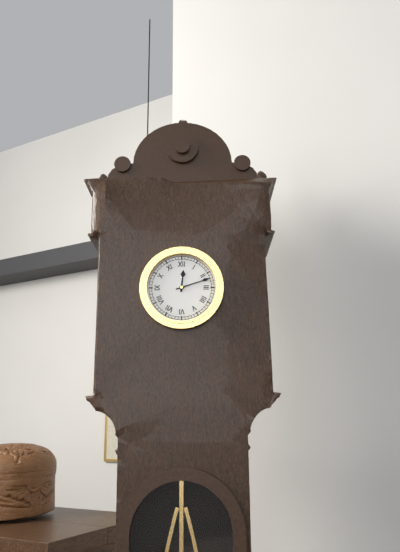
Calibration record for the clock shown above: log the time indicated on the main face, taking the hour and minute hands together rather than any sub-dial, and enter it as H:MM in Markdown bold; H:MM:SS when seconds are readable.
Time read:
**12:12**
